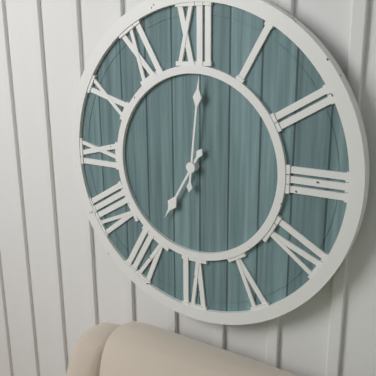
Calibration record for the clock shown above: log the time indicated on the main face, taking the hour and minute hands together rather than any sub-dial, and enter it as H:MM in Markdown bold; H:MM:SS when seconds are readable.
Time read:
**7:01**
